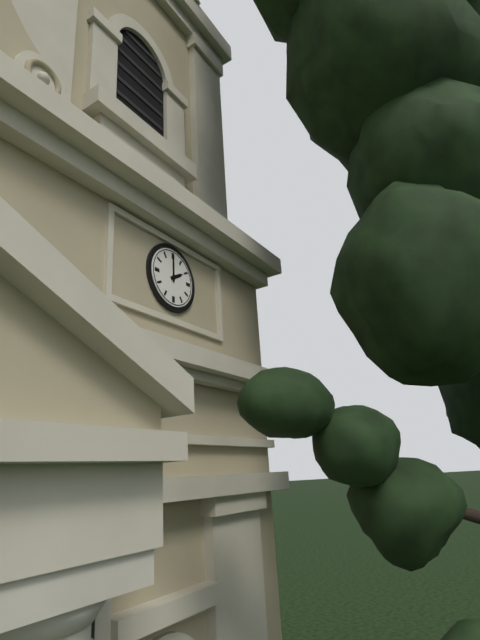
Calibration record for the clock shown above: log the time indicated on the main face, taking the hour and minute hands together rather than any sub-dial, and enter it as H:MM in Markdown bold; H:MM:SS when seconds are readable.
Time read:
**2:00**
